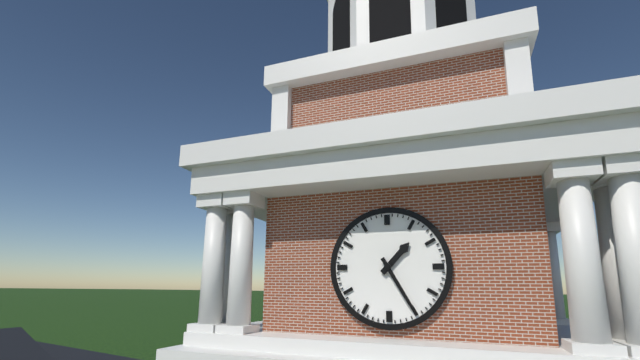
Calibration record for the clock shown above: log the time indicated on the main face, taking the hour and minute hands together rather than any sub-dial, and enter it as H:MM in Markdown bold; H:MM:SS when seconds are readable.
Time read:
**1:25**
